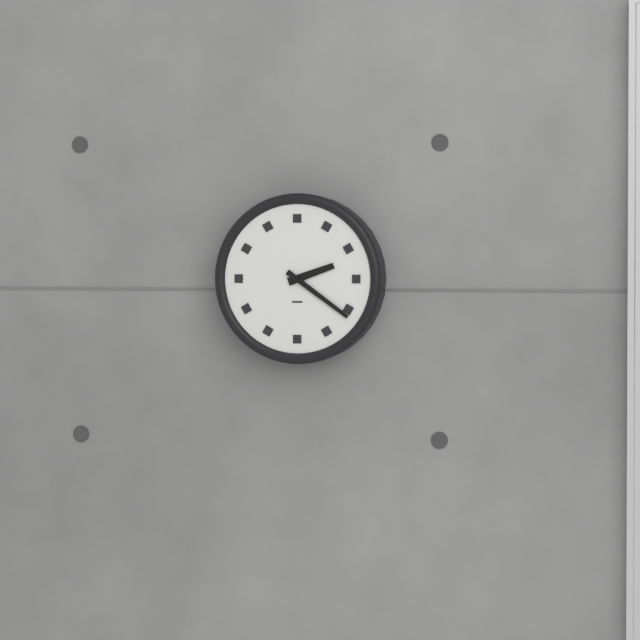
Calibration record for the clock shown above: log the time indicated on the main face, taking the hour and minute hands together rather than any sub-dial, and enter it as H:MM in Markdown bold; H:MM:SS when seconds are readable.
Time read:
**2:21**
